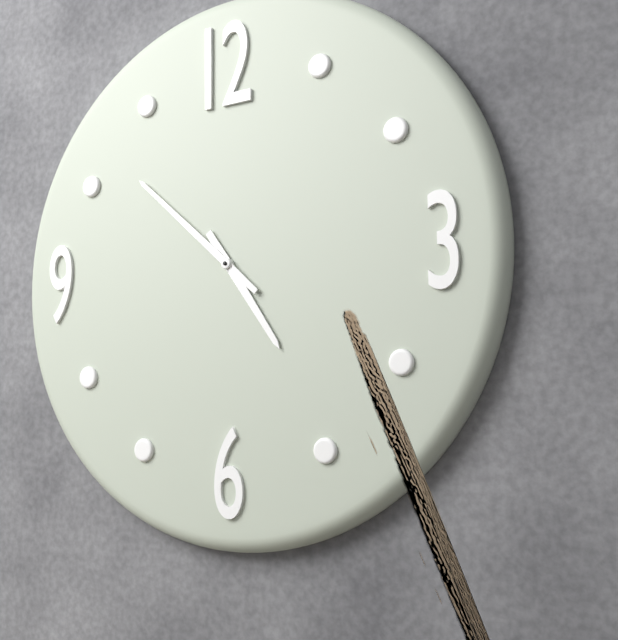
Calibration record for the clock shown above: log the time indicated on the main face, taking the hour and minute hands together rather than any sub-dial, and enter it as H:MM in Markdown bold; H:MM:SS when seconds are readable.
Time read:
**4:52**
